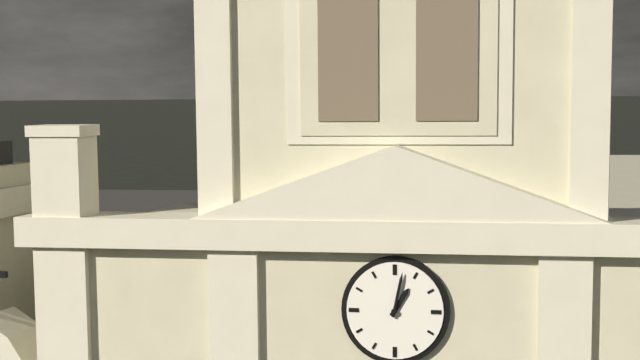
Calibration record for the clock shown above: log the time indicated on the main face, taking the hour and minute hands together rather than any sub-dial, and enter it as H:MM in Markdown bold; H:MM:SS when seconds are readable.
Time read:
**1:02**
